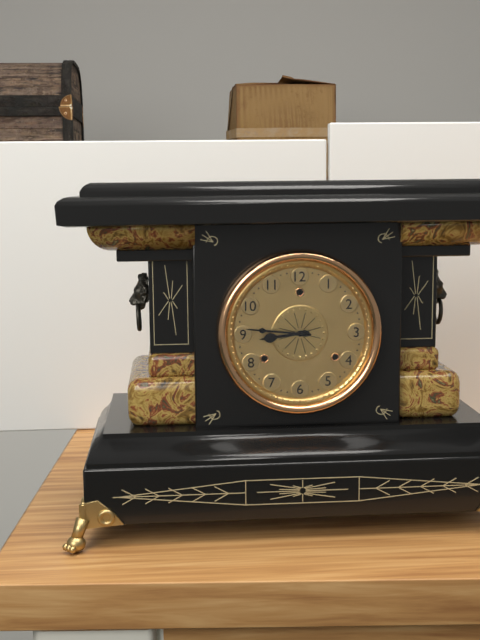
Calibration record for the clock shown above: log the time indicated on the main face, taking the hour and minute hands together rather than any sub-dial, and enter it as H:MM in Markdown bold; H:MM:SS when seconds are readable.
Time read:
**8:46**
